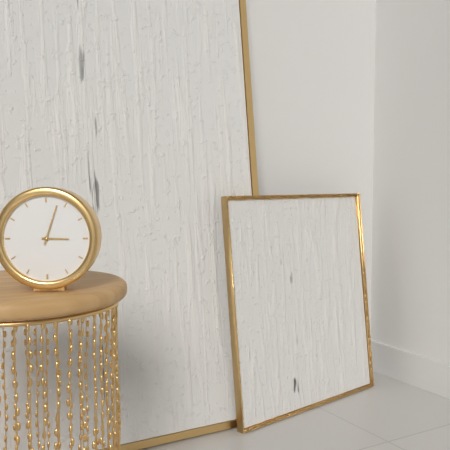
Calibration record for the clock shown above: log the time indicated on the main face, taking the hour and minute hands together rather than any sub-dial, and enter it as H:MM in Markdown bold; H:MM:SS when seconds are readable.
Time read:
**3:03**
